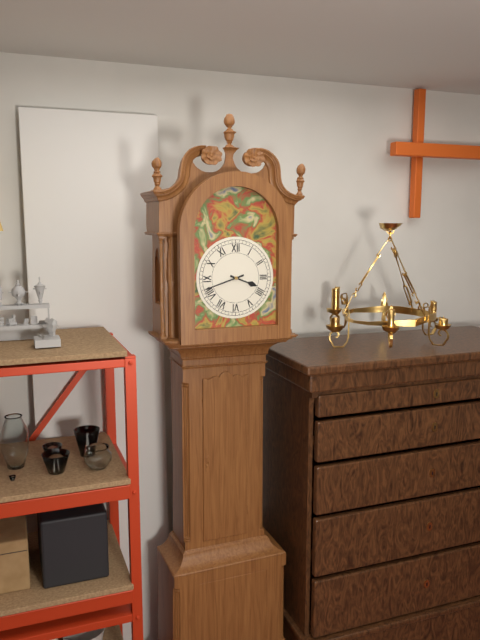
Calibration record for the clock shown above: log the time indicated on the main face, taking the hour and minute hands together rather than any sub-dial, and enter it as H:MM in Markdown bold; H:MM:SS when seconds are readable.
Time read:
**3:42**
